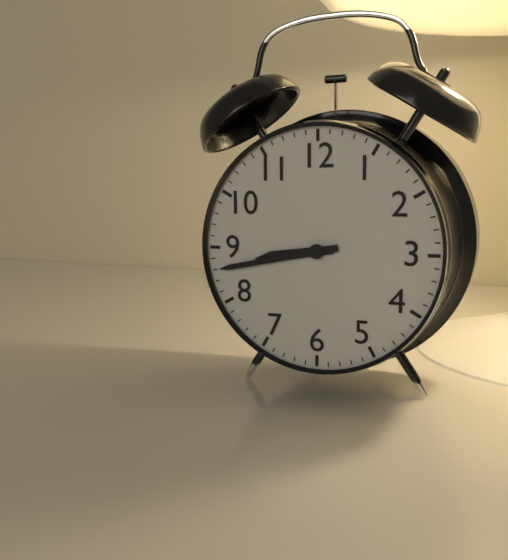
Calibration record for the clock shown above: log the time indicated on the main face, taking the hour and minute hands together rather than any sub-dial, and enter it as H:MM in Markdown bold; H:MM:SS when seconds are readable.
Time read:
**8:43**
